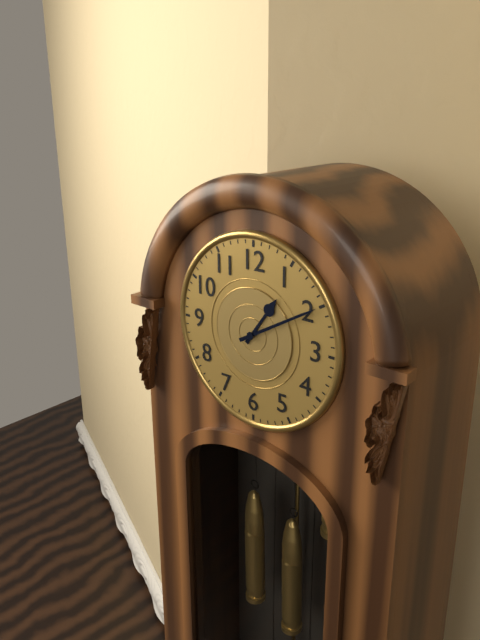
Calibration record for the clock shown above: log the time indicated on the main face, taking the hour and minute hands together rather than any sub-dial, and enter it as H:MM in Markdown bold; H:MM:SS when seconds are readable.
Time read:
**1:10**
